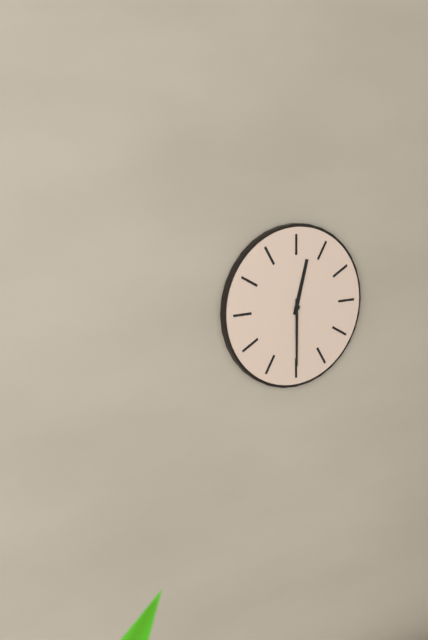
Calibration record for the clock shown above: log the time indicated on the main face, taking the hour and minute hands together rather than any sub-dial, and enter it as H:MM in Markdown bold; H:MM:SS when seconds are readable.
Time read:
**12:30**
